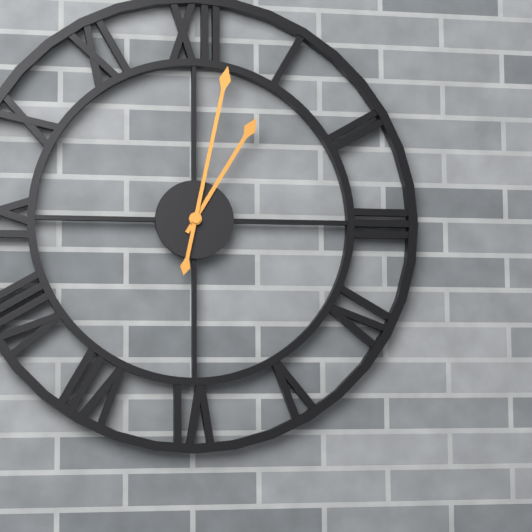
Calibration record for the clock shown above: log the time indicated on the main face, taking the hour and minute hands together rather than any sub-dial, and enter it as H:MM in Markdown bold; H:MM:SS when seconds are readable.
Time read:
**1:02**
